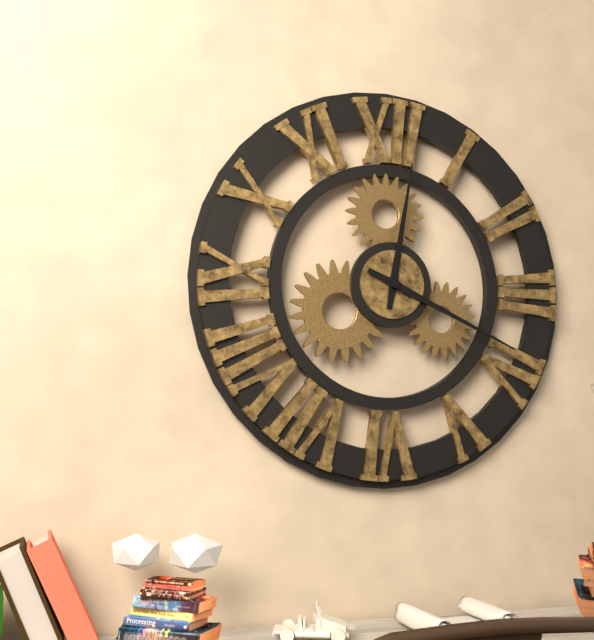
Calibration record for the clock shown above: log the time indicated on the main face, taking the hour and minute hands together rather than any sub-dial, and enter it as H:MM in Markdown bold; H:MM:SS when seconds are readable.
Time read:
**12:19**
